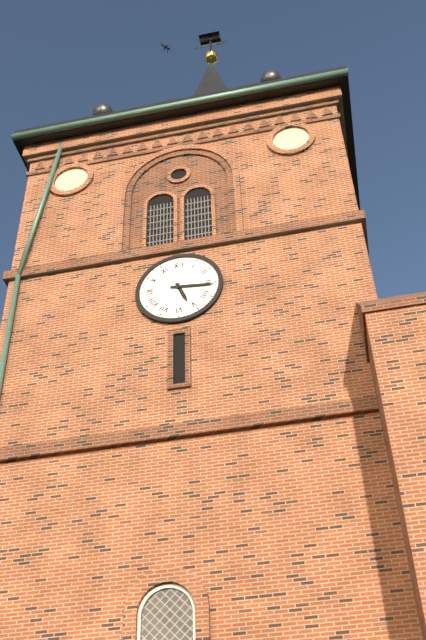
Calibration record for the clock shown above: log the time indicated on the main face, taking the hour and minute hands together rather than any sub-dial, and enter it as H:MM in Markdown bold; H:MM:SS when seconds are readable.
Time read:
**5:16**
